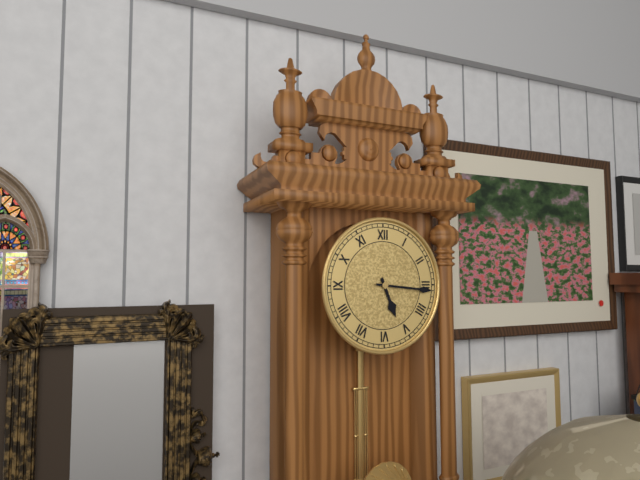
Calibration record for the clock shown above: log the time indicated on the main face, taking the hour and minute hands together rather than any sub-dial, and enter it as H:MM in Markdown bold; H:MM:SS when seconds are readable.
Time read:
**5:16**
